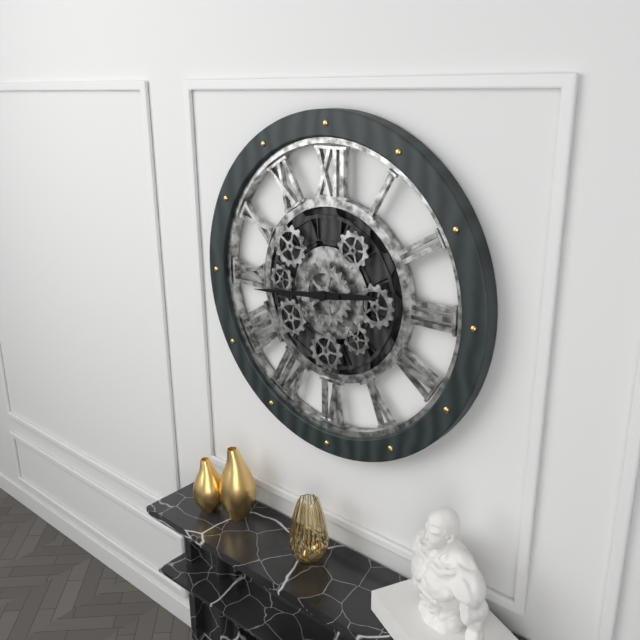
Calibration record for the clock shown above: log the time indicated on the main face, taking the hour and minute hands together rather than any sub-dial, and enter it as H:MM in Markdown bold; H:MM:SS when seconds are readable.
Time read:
**2:44**
